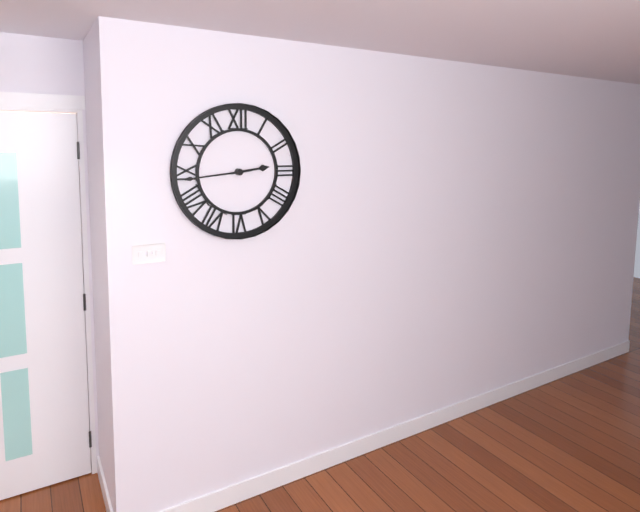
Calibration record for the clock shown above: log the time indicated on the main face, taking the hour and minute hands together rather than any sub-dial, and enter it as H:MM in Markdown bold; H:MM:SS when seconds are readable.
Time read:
**2:44**
